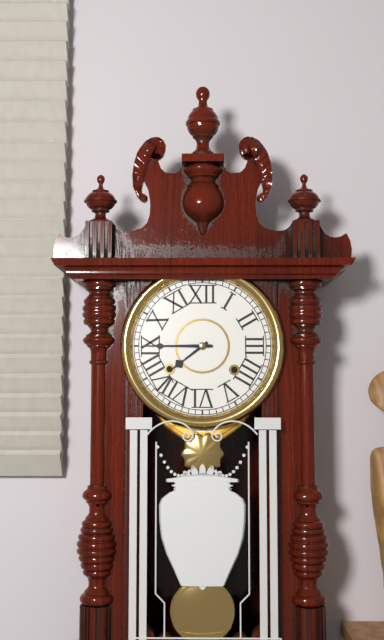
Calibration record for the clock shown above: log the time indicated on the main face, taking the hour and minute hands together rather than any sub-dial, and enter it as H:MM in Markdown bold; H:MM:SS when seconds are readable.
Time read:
**7:45**
